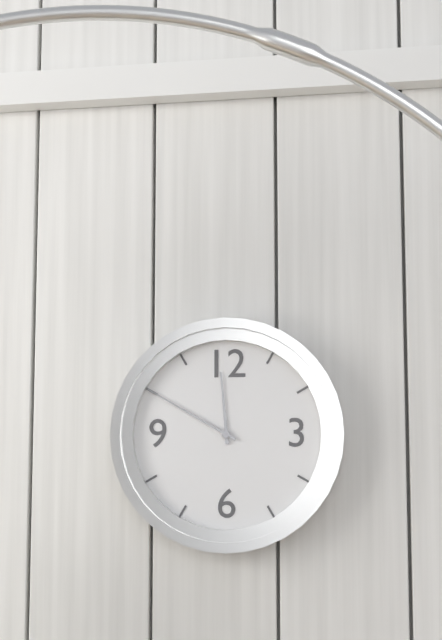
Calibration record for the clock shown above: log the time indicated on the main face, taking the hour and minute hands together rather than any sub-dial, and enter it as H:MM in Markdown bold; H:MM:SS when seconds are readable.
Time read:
**11:50**
